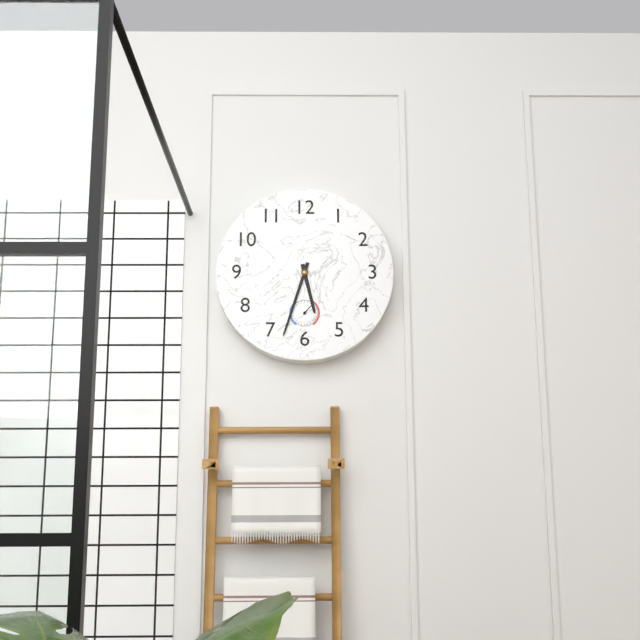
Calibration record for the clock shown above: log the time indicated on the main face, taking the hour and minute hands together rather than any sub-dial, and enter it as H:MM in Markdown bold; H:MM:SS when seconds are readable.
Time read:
**5:33**
